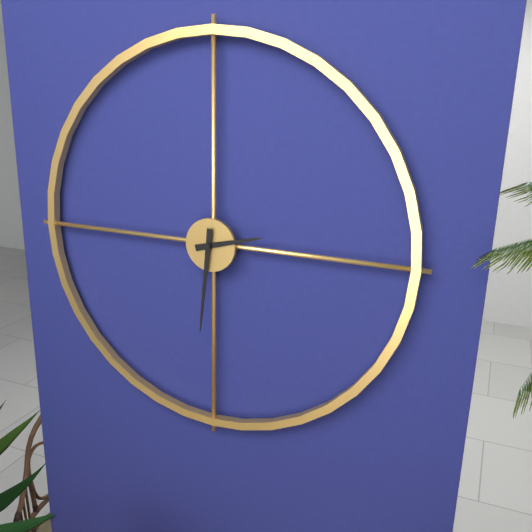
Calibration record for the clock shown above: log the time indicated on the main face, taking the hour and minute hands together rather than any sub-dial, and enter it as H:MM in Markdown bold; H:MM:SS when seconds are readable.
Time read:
**2:31**
